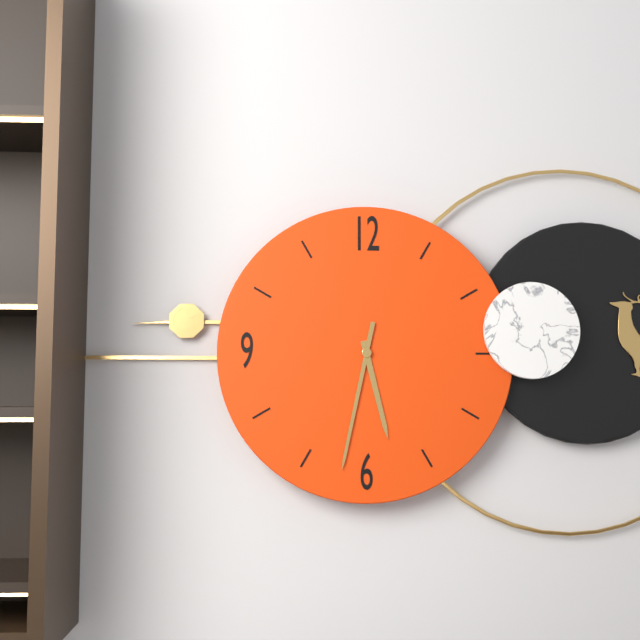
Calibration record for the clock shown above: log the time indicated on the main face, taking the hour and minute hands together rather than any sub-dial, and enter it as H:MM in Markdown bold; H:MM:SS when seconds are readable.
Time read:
**5:32**
